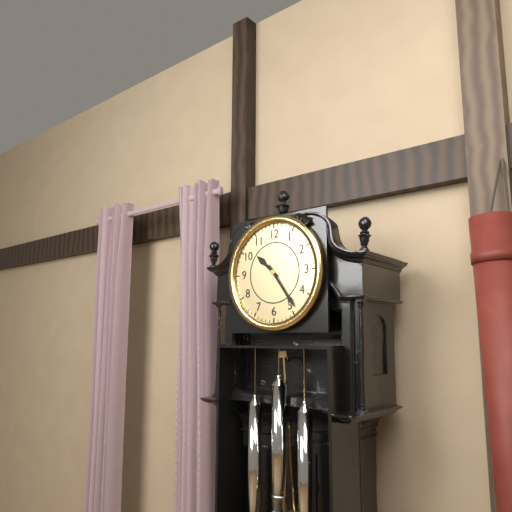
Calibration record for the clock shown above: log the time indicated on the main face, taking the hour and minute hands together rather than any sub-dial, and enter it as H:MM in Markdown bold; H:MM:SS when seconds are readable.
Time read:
**10:24**
